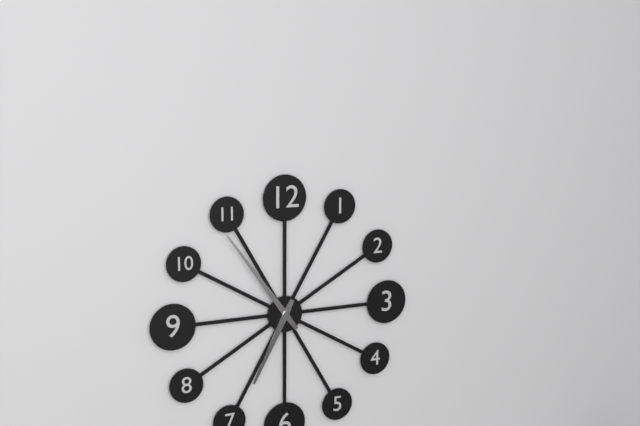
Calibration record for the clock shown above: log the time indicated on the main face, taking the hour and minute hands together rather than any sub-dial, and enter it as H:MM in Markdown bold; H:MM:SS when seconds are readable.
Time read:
**6:54**
